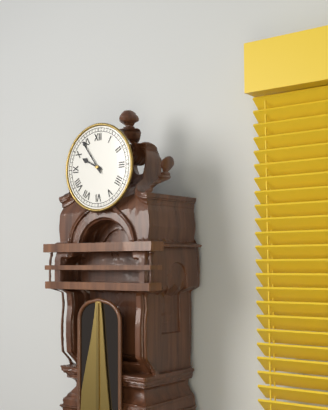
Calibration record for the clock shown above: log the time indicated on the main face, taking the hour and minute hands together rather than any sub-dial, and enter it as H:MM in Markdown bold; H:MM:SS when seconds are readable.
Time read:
**9:54**
